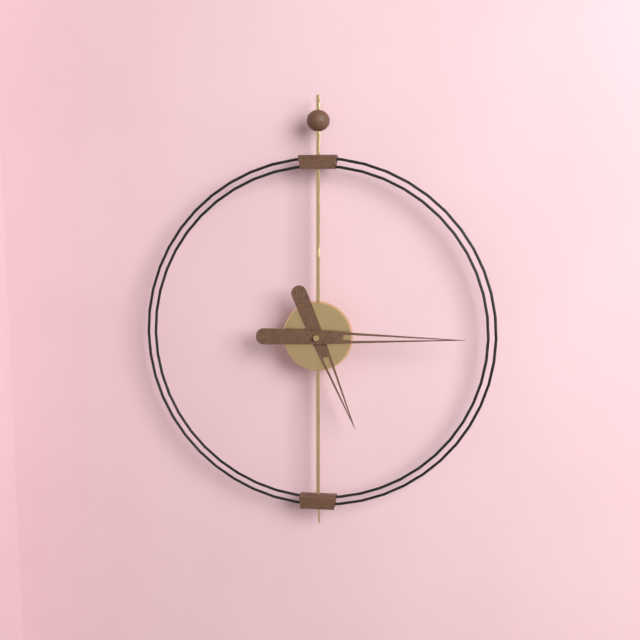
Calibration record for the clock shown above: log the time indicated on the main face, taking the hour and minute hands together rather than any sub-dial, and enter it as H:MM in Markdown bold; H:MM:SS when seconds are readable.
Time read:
**5:15**
